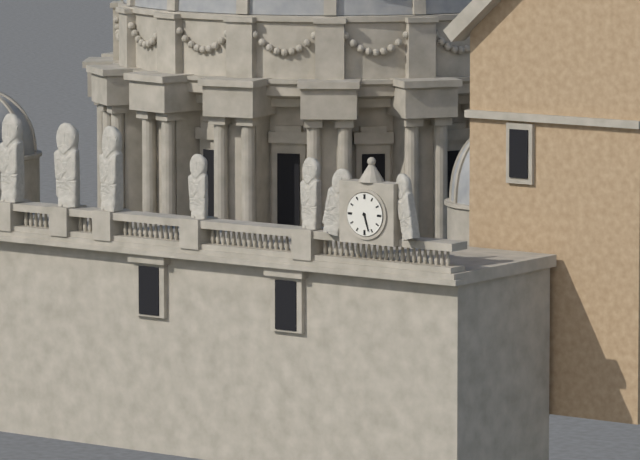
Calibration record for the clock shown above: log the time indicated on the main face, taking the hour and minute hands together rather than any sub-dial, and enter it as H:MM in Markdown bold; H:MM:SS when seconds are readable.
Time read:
**5:27**
